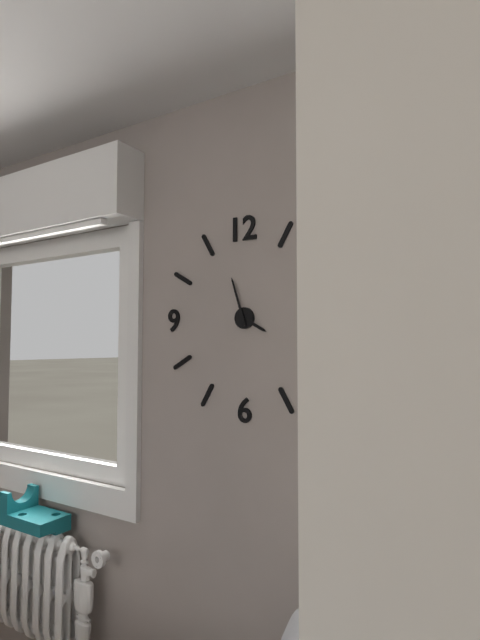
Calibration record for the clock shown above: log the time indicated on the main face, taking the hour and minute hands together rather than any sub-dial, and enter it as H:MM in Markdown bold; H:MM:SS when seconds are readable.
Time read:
**3:57**
